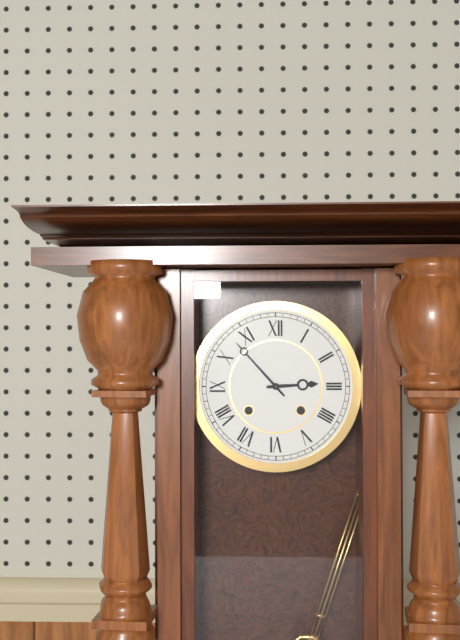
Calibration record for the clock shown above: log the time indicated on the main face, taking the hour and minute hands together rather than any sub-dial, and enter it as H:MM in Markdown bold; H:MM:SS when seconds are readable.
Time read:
**2:53**
